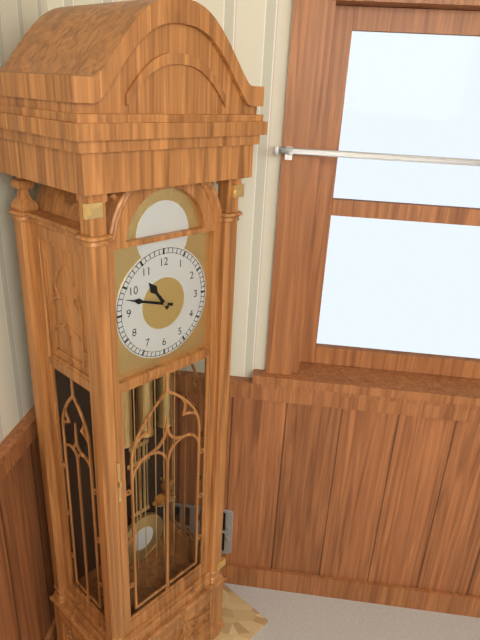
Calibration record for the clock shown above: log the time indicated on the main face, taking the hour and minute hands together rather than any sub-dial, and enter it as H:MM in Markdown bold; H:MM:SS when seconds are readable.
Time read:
**10:48**
